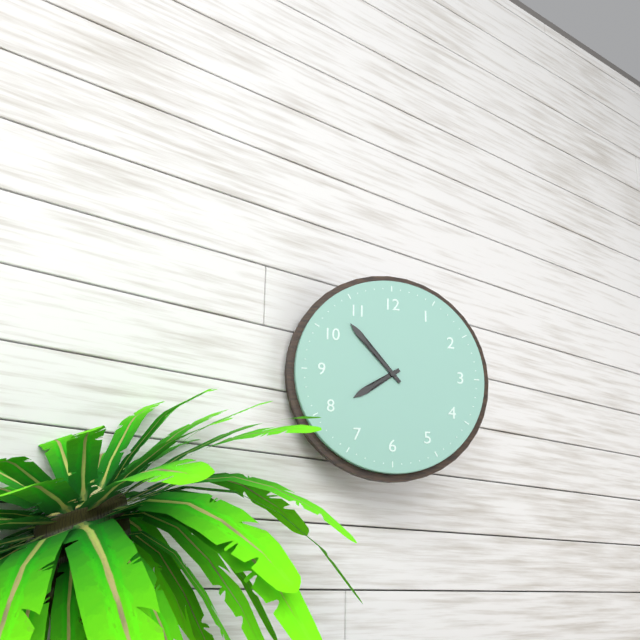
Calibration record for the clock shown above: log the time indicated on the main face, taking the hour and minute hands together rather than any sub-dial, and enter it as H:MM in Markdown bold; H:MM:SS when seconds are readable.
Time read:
**7:53**
